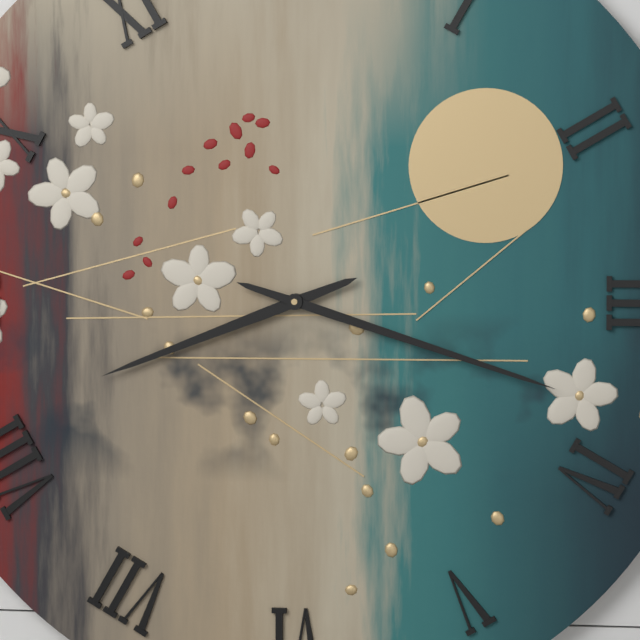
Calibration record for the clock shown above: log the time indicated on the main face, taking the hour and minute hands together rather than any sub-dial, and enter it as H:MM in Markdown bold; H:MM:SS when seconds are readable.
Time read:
**8:18**
